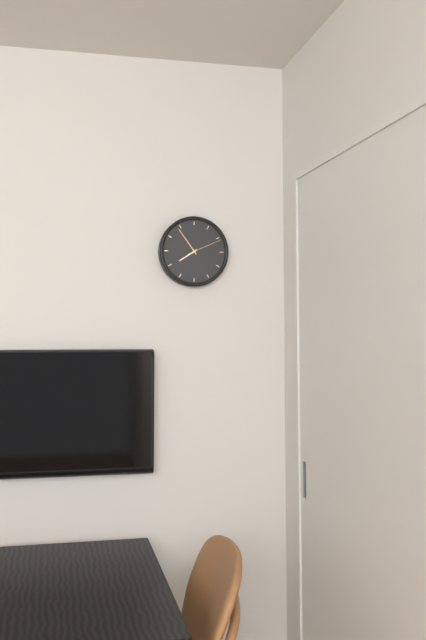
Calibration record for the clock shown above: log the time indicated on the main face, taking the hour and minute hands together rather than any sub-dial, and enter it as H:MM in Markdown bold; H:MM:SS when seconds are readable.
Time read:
**7:54**
